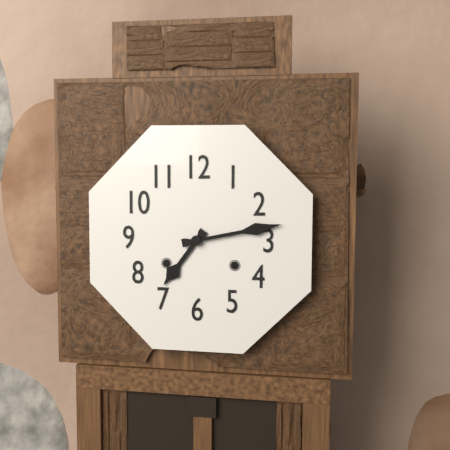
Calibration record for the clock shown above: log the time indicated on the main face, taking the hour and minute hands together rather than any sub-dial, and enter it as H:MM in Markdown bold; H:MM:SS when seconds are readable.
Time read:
**7:13**
